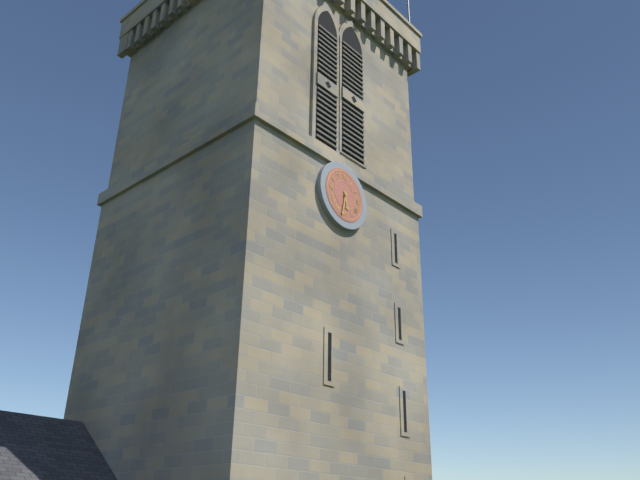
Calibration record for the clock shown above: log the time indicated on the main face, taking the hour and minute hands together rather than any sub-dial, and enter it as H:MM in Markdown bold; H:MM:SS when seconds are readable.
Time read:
**5:32**
